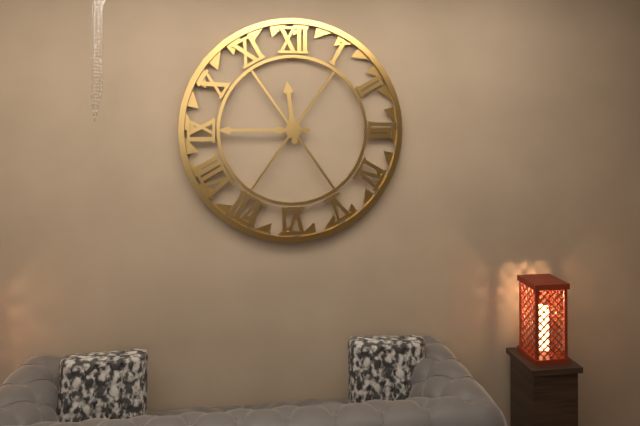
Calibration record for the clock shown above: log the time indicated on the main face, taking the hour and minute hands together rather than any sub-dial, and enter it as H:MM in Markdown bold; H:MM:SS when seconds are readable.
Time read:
**11:45**
